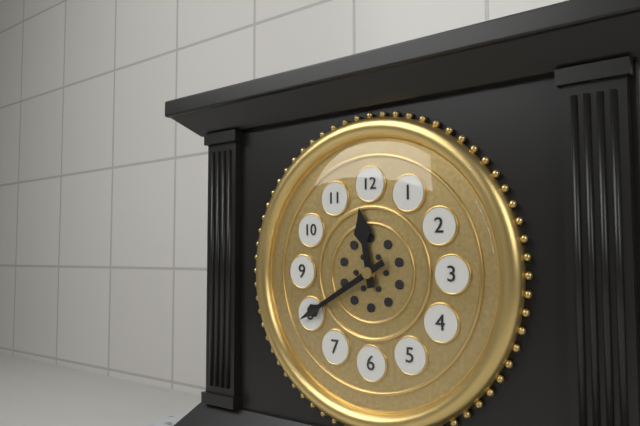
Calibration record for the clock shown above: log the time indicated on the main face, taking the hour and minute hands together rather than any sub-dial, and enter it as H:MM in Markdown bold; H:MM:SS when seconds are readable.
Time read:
**11:40**
